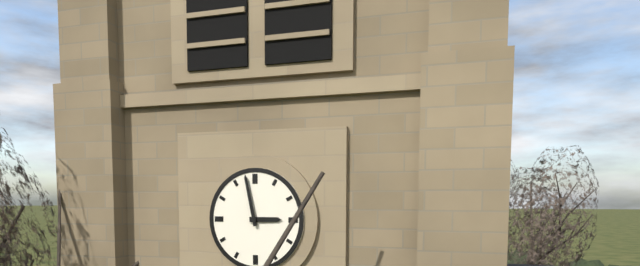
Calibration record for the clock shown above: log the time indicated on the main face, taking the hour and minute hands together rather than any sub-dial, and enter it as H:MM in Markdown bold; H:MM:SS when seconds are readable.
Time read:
**2:58**
